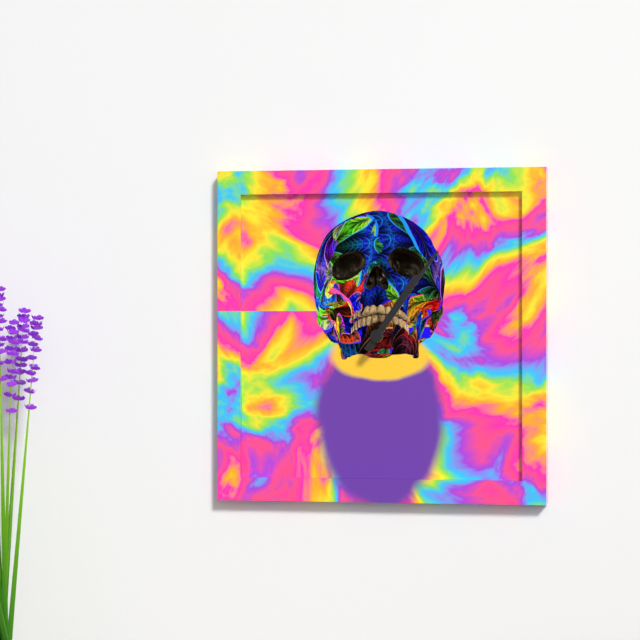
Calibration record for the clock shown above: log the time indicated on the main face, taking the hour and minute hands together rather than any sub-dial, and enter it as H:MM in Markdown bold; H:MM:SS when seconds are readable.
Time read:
**1:06**
